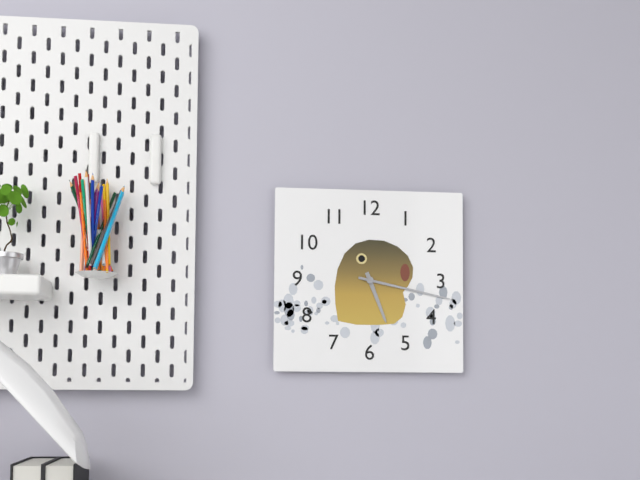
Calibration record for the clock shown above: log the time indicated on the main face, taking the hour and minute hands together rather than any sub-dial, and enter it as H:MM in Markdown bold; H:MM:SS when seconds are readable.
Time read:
**5:17**
